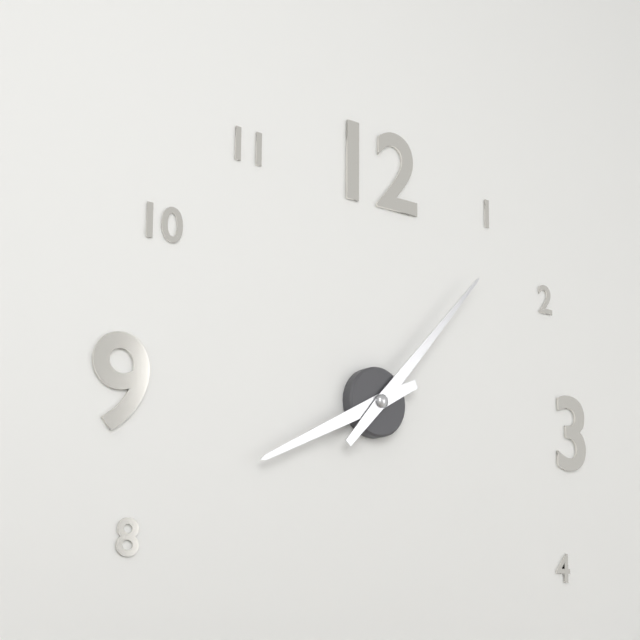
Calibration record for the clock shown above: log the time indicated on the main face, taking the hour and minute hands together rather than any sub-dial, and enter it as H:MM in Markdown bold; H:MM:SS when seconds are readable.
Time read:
**8:07**
